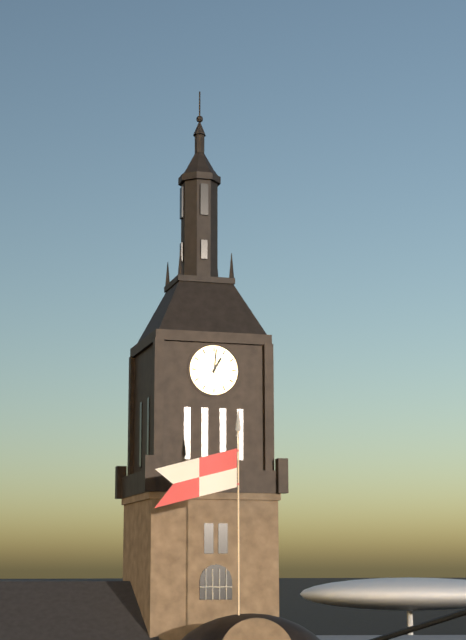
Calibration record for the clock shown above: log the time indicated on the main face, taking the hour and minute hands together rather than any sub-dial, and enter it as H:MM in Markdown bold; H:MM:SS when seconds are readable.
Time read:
**1:01**
